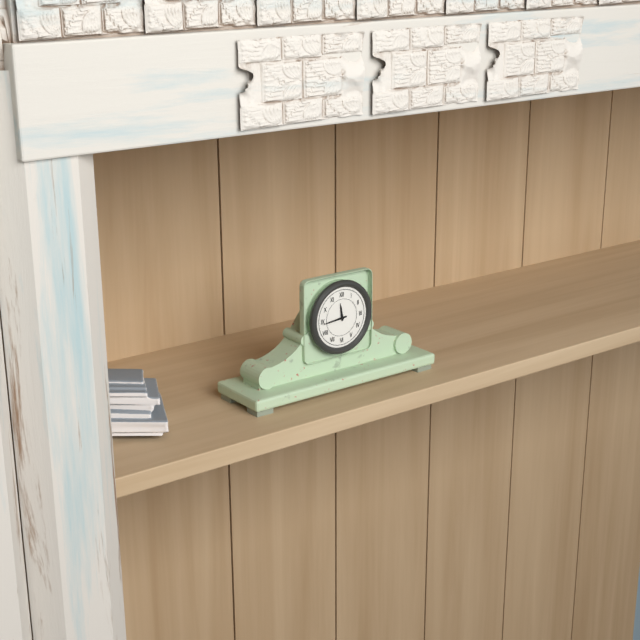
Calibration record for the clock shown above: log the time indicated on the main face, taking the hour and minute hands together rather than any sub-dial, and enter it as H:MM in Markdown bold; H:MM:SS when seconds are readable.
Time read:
**11:44**
